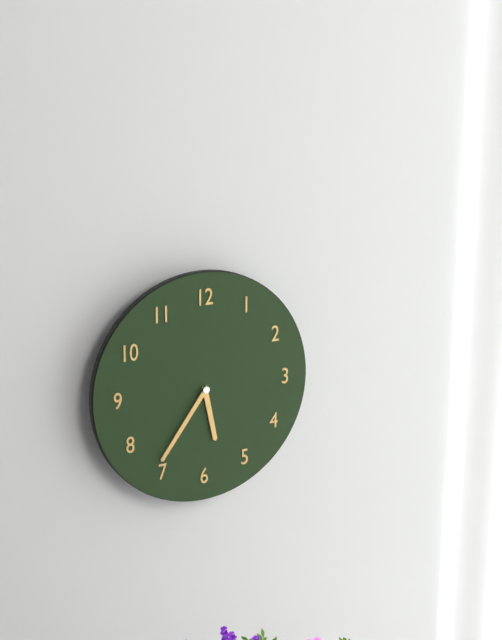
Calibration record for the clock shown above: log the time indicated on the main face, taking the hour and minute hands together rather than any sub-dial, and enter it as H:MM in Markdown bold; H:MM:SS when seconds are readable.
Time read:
**5:36**
